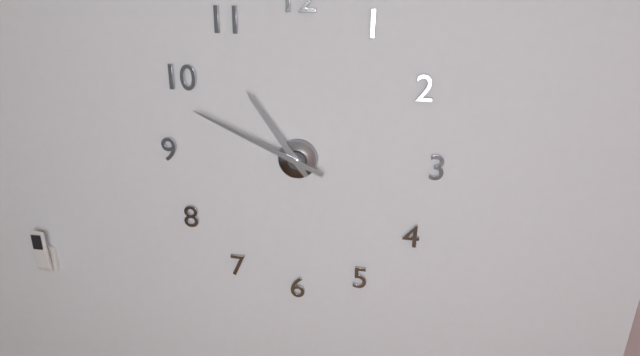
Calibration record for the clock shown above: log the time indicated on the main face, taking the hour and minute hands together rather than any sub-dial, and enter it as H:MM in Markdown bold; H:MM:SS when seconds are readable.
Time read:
**10:49**
